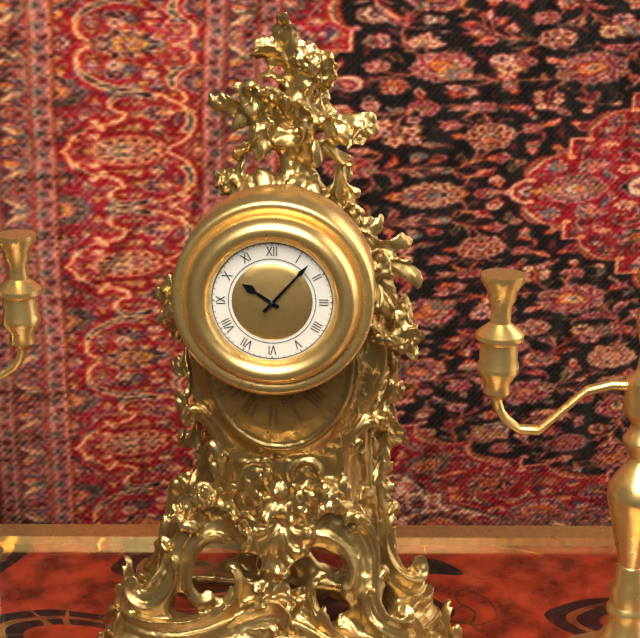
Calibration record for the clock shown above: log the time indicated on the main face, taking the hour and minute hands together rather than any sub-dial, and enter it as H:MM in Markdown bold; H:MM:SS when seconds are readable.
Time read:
**10:07**
